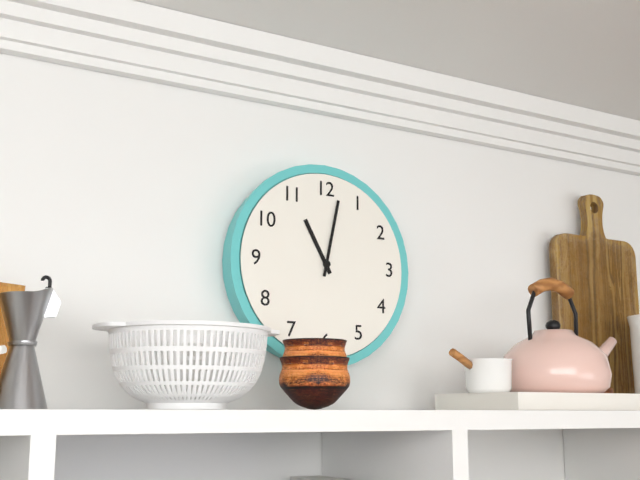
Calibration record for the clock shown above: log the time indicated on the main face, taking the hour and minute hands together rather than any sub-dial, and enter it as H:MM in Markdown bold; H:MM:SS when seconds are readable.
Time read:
**11:02**
